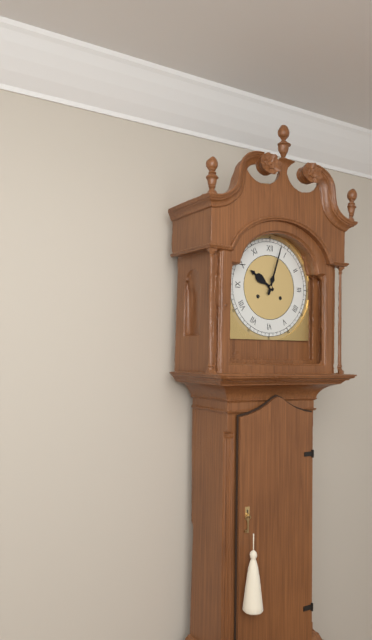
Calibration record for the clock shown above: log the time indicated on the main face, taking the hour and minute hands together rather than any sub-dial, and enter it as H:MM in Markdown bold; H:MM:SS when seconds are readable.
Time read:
**10:03**
